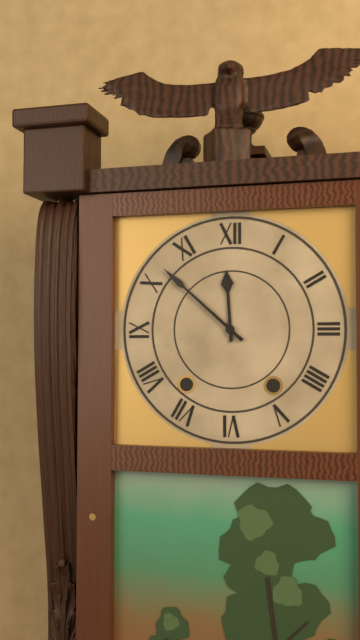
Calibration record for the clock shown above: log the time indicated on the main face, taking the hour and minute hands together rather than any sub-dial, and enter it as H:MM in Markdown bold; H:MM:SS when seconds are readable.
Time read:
**11:52**
